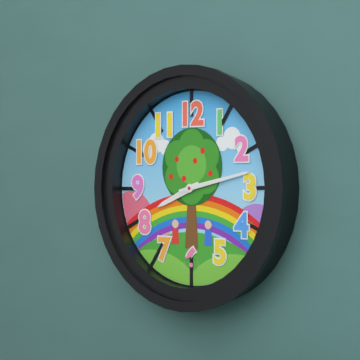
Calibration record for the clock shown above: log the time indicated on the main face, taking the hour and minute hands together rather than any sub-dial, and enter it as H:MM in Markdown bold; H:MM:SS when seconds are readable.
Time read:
**8:13**
